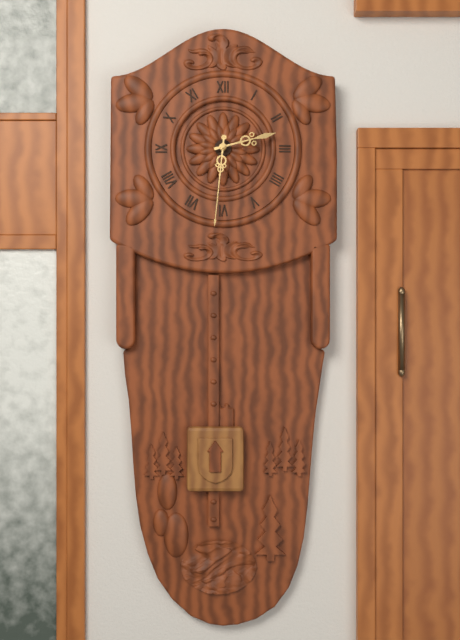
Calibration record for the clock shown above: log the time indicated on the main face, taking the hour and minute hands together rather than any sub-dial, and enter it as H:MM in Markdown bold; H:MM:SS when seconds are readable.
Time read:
**2:31**
